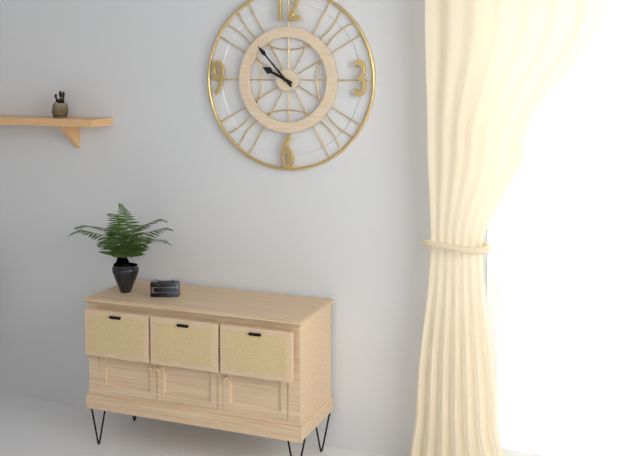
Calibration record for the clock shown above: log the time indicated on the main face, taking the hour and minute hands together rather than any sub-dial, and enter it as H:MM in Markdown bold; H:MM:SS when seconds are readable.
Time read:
**9:53**
